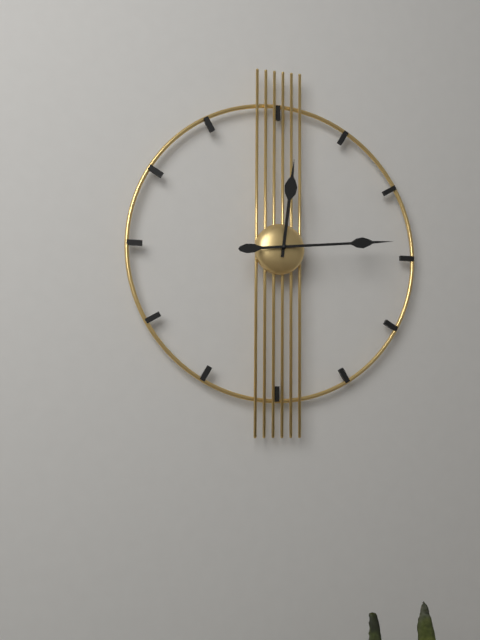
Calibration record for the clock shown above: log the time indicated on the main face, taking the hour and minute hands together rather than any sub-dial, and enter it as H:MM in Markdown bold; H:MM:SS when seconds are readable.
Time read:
**12:14**
